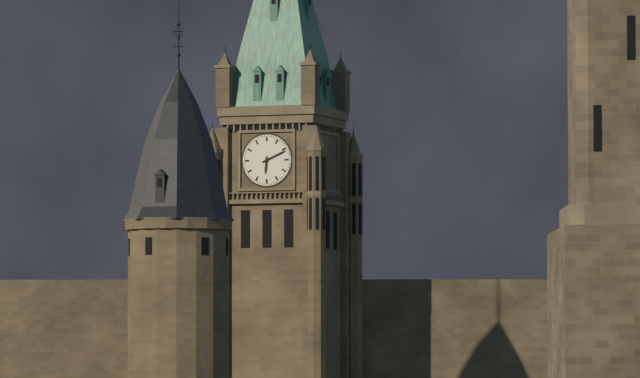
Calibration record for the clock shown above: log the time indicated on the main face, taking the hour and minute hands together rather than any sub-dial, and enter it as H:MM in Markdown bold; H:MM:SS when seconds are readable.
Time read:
**6:11**
